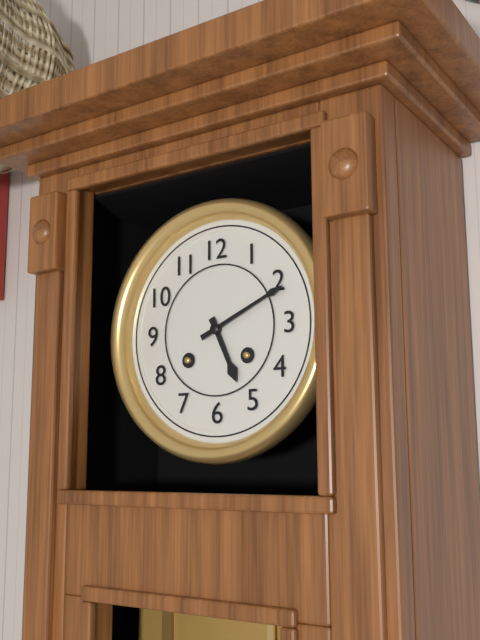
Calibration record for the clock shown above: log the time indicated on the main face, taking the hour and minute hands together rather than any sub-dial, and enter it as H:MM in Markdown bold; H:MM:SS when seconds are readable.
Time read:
**5:11**
